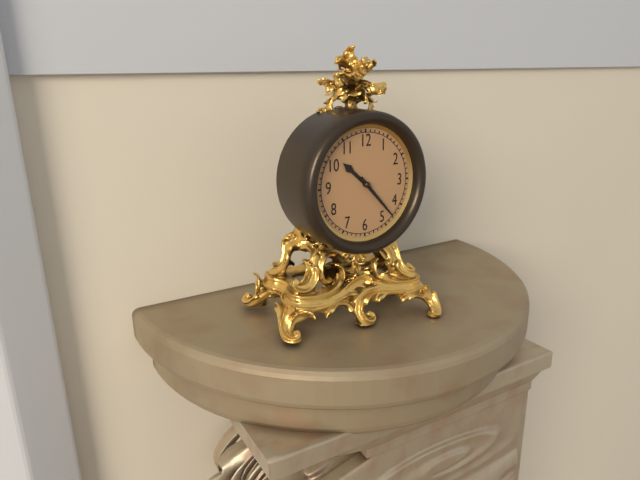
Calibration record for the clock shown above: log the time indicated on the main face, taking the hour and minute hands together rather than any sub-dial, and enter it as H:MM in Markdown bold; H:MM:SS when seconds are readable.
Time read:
**10:23**
